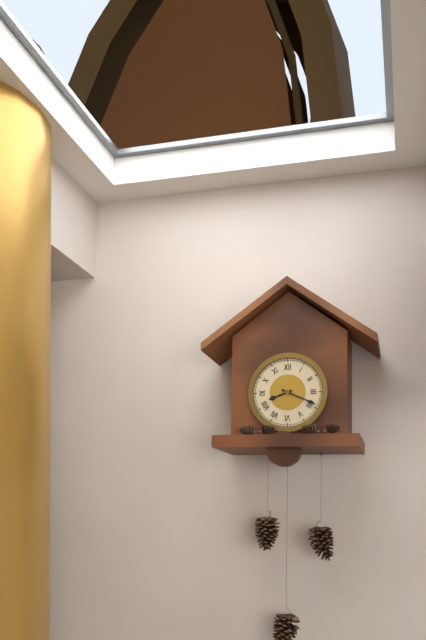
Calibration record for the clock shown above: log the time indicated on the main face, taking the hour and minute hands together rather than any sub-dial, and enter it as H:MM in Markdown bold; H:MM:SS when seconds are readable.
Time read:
**8:19**
